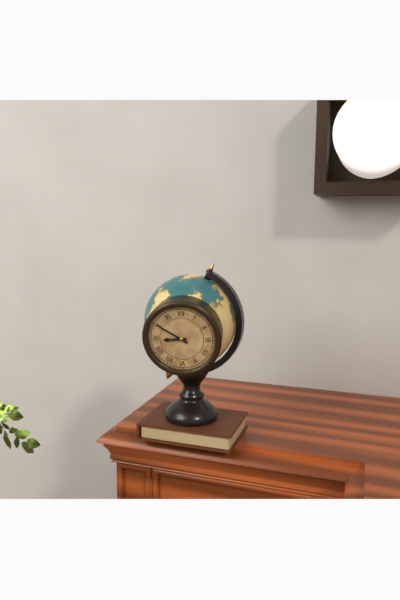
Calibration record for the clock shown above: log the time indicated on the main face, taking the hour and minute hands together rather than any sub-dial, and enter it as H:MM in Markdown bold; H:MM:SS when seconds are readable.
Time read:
**8:50**
